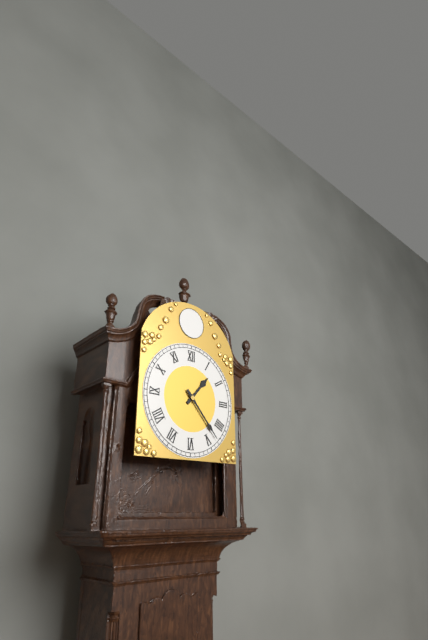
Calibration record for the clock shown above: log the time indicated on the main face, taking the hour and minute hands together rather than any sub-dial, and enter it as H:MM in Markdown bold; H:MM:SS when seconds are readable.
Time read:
**1:23**
